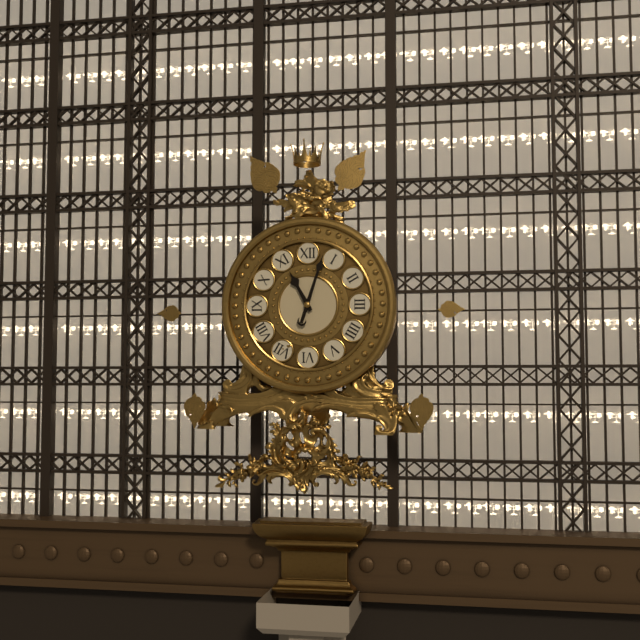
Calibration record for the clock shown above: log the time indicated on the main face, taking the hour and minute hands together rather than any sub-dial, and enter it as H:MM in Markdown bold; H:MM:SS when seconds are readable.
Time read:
**11:03**
